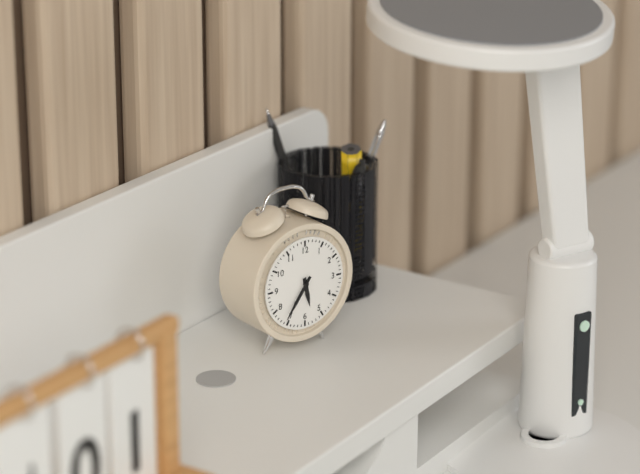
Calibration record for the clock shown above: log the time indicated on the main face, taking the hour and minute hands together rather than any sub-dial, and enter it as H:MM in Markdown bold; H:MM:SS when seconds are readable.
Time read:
**5:36**
